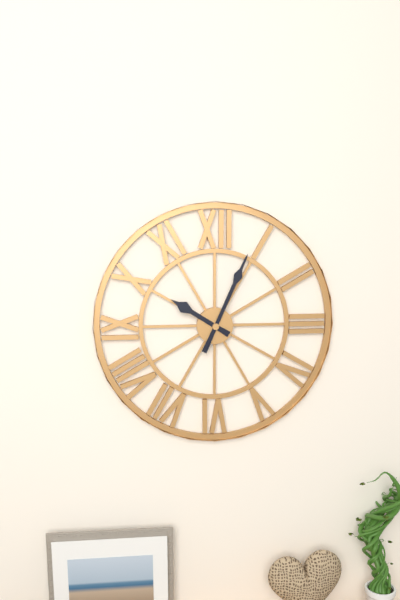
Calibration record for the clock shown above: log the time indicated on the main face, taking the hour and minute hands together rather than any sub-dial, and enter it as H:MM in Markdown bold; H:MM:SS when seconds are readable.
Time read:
**10:04**
